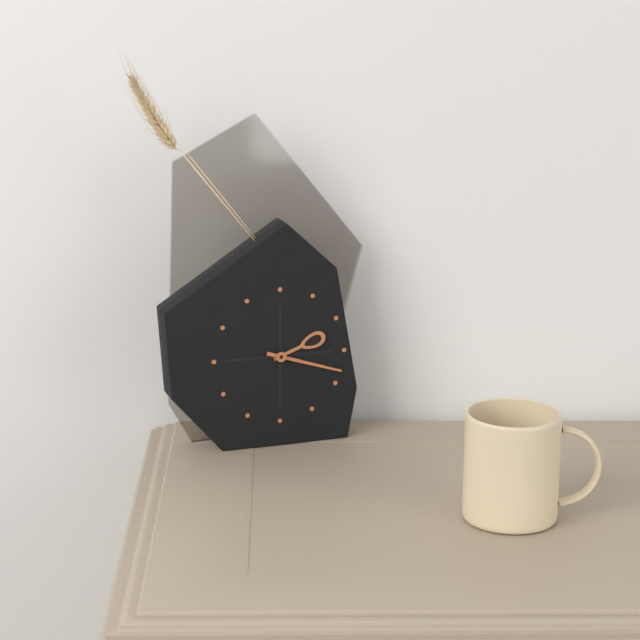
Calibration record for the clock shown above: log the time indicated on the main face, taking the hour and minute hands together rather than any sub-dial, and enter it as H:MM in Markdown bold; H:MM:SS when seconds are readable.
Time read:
**2:18**
